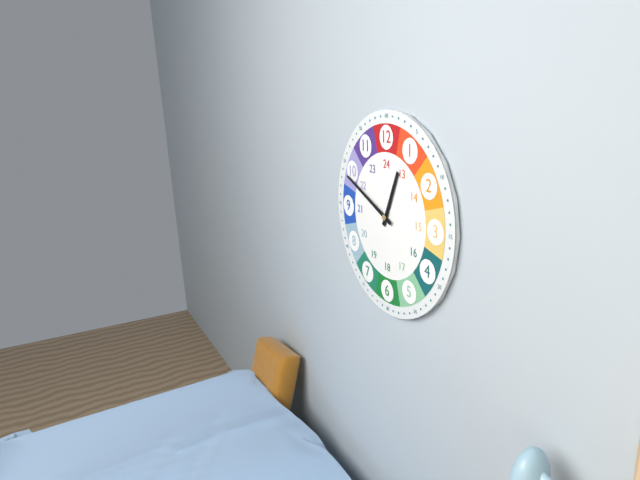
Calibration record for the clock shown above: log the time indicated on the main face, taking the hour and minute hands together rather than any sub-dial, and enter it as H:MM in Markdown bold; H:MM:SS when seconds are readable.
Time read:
**12:49**
